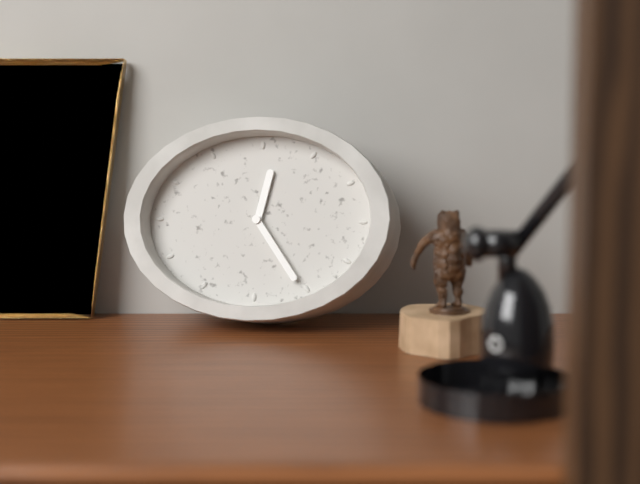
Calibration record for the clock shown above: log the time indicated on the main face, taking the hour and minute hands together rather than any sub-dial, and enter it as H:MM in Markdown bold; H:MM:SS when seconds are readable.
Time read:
**12:24**
